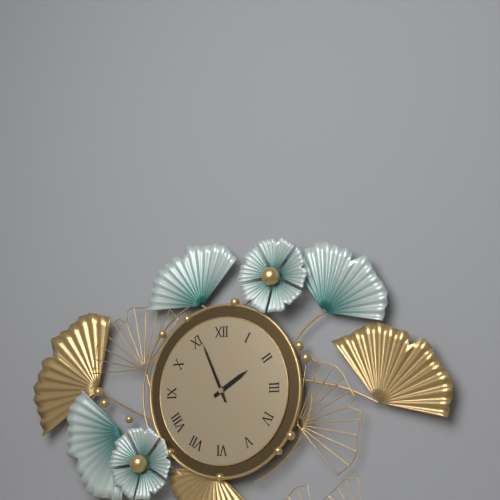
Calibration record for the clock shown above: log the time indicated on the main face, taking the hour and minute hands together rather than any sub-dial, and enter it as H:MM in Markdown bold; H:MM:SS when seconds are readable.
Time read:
**1:56**
